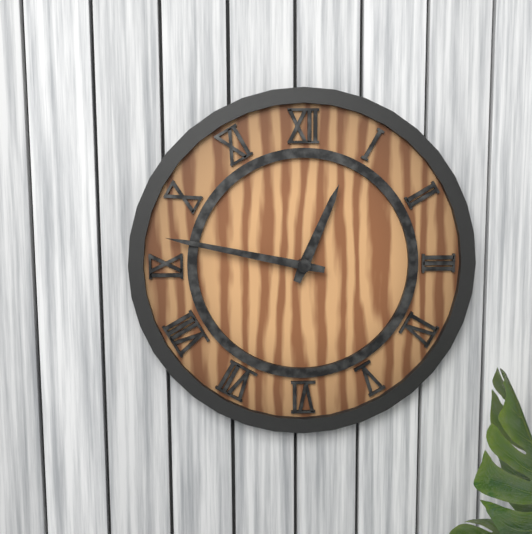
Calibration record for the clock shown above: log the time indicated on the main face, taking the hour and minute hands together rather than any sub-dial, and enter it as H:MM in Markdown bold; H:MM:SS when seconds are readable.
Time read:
**12:47**
